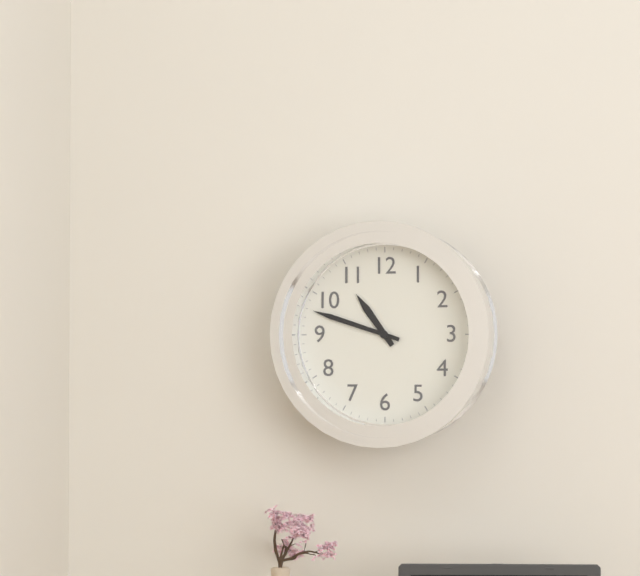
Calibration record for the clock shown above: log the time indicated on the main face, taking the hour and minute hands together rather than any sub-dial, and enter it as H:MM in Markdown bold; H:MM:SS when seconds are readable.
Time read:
**10:48**
